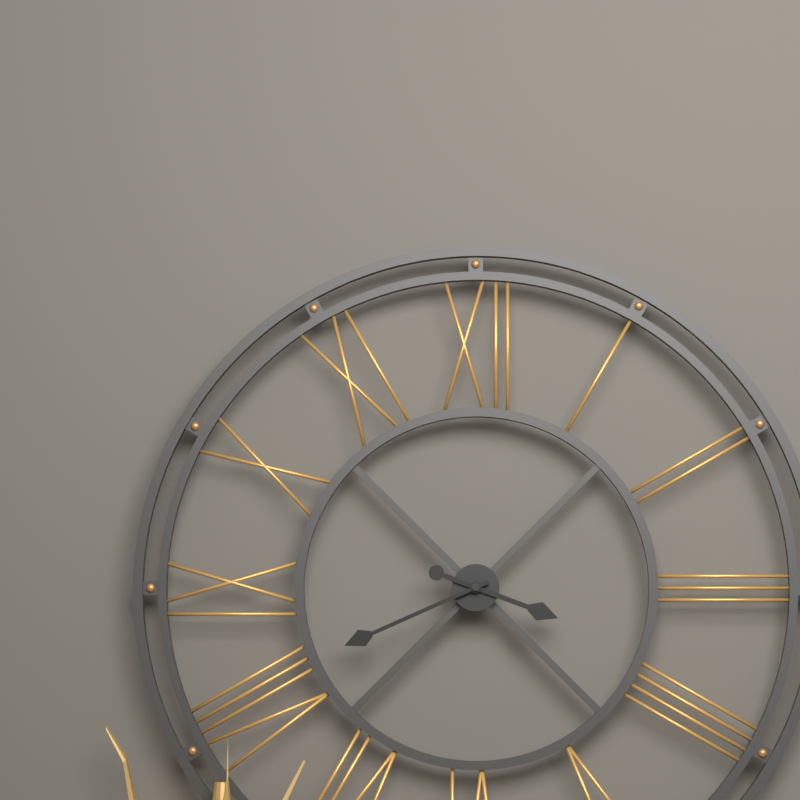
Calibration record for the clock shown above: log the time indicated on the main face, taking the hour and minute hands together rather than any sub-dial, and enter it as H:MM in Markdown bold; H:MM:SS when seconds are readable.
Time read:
**3:41**
